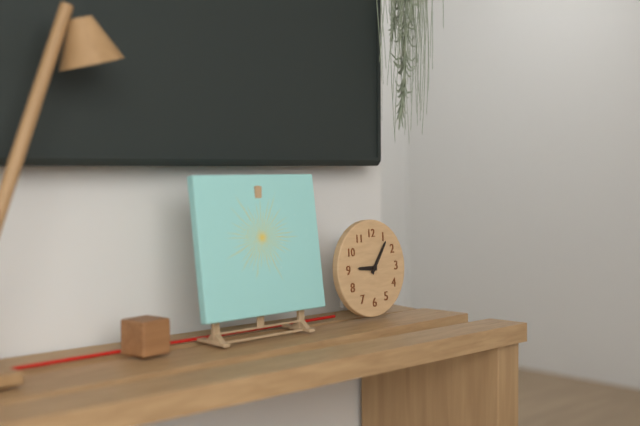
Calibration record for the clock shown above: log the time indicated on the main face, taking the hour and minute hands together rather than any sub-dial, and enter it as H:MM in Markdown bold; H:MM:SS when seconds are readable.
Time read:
**9:06**
